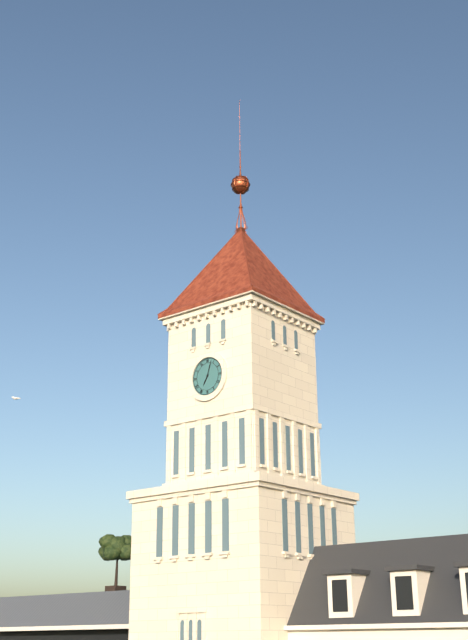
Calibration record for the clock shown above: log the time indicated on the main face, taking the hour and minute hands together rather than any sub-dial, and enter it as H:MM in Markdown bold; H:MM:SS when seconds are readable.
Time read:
**7:03**
